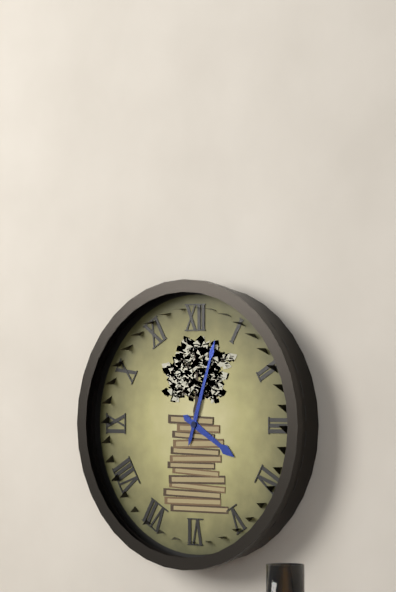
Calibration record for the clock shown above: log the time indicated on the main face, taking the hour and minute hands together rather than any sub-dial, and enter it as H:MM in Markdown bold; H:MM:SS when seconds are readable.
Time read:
**4:03**
